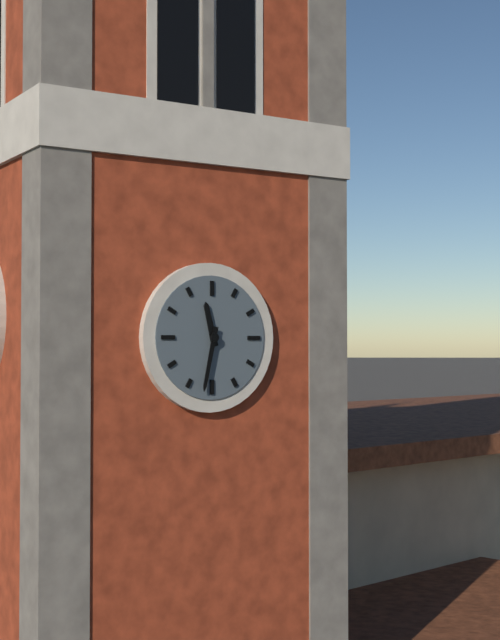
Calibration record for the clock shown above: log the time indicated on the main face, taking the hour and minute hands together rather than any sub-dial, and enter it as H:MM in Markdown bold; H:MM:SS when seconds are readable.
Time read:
**11:32**
